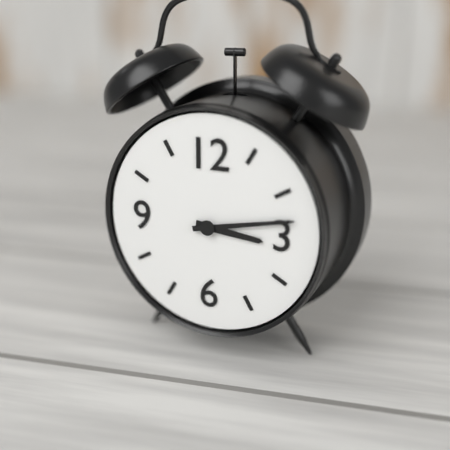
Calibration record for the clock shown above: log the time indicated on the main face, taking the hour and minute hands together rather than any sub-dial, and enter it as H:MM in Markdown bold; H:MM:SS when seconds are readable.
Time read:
**3:13**
